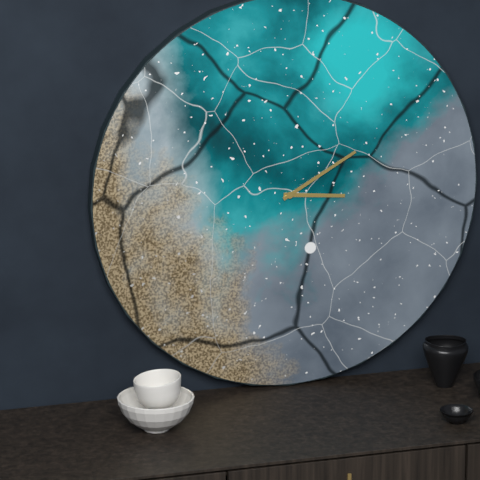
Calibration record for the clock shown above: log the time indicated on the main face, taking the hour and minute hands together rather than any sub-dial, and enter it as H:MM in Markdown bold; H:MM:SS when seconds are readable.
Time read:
**3:10**
